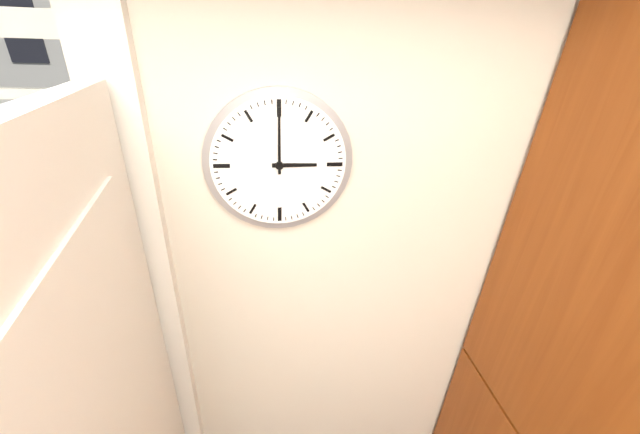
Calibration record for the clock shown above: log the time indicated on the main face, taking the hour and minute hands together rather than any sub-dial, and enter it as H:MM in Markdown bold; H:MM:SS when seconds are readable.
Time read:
**3:00**
